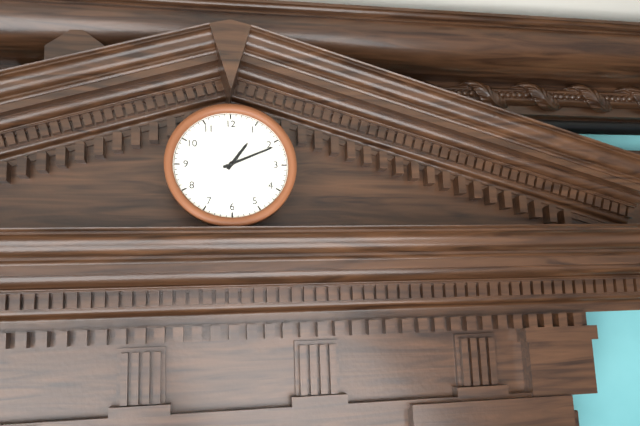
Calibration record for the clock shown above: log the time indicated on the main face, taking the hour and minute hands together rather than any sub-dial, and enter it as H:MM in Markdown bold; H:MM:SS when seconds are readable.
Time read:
**1:11**
